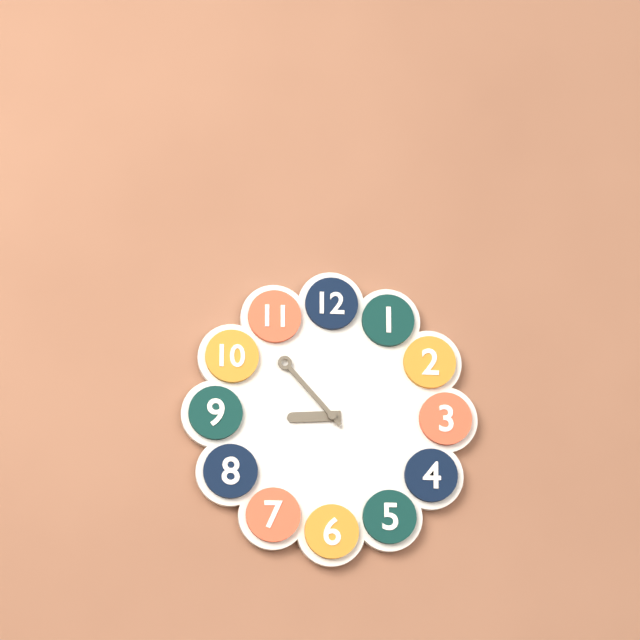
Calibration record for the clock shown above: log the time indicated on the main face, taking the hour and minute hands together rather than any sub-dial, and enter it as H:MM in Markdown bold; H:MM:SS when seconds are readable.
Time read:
**8:53**
